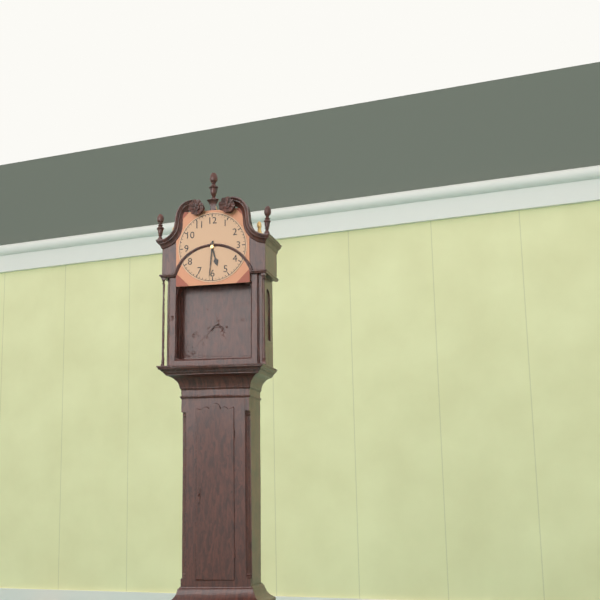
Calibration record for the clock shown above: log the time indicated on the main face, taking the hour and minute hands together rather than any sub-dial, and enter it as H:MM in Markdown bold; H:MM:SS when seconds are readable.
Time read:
**5:31**
